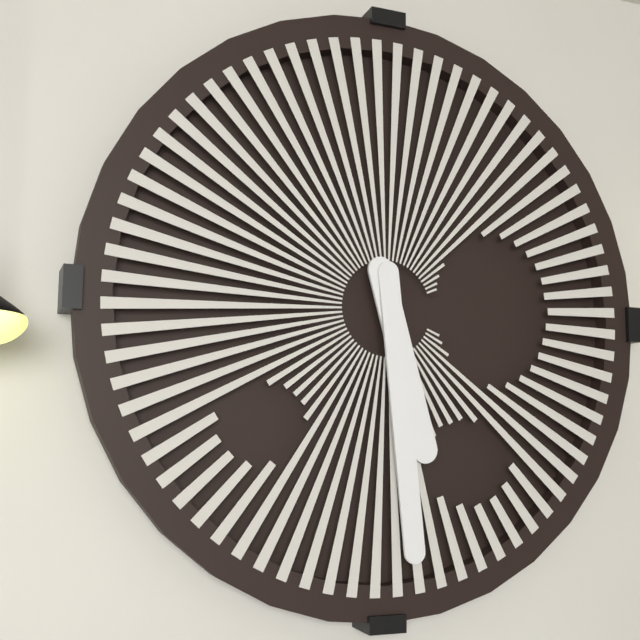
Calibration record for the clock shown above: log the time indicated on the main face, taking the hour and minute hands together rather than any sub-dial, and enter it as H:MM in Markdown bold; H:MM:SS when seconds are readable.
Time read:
**5:29**
